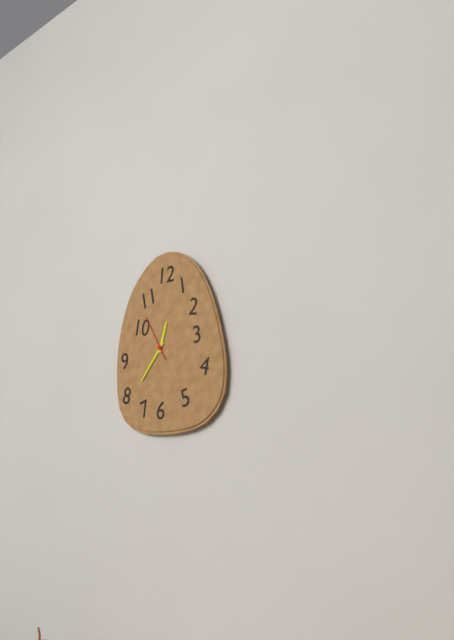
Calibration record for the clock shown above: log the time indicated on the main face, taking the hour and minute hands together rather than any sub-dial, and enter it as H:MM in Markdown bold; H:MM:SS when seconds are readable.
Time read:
**12:37**
